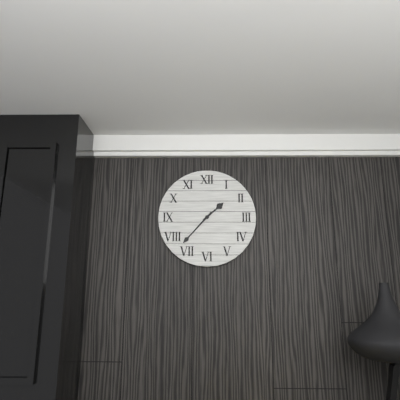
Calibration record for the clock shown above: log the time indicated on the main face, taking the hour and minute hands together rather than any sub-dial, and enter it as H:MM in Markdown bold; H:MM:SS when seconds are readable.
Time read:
**1:37**
